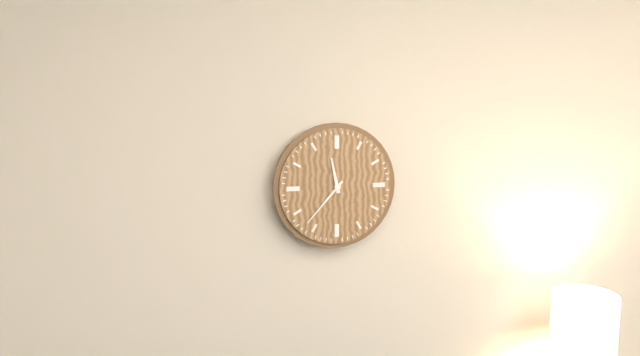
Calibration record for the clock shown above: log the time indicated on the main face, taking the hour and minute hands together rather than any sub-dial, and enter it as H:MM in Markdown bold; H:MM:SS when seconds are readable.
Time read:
**11:37**
